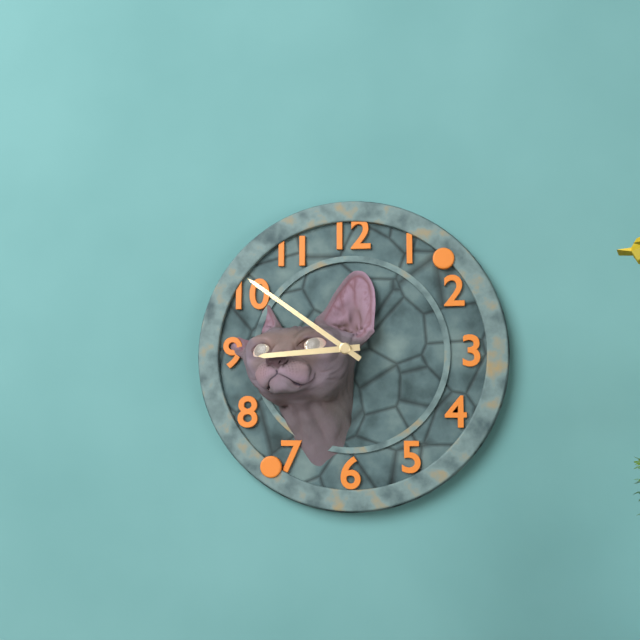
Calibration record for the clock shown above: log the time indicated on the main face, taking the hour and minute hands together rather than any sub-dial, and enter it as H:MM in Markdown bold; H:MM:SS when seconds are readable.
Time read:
**8:51**
